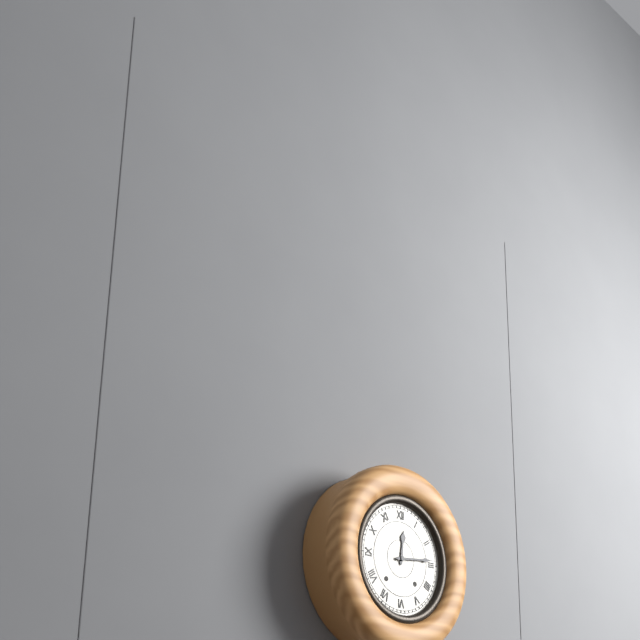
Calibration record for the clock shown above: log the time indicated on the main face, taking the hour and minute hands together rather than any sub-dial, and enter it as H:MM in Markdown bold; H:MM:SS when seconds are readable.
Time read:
**12:14**
